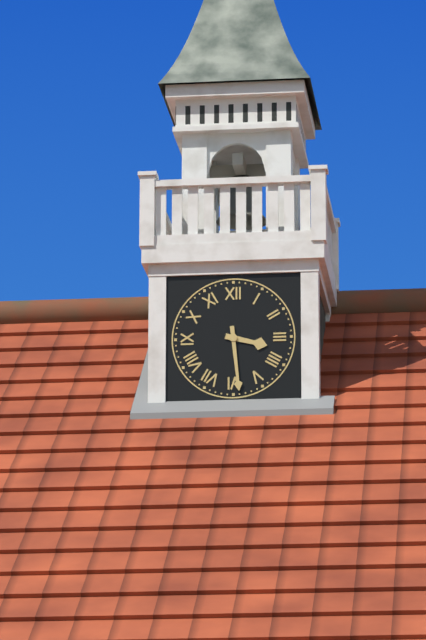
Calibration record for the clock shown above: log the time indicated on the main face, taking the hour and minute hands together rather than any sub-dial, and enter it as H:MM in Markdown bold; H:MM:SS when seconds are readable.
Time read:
**3:29**
